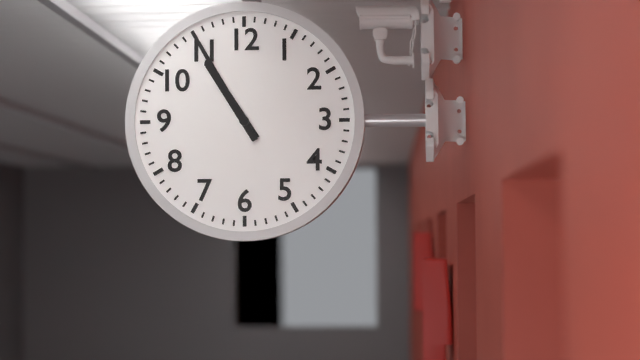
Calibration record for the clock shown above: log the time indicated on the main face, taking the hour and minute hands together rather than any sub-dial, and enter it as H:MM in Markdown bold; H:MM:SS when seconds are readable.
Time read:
**10:55**
